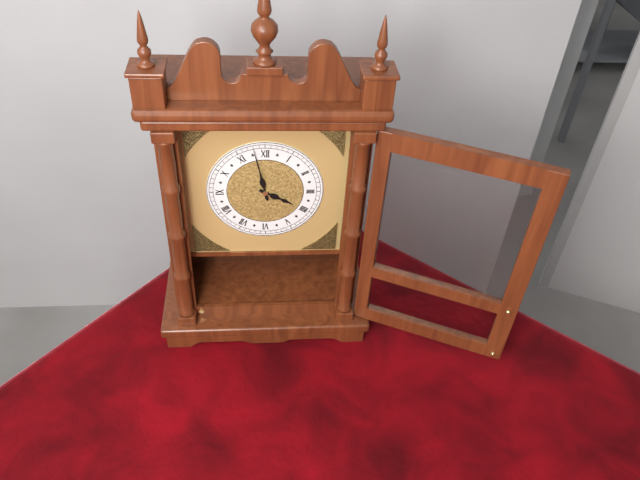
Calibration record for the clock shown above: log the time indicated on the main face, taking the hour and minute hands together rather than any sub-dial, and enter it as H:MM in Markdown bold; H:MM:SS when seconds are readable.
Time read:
**3:58**
